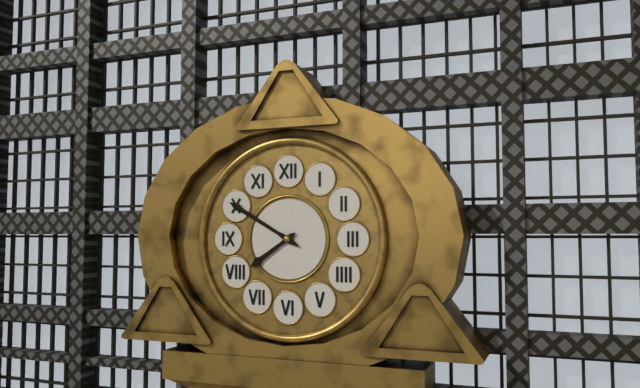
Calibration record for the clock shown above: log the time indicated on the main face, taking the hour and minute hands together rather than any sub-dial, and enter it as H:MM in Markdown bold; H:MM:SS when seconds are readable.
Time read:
**7:50**
